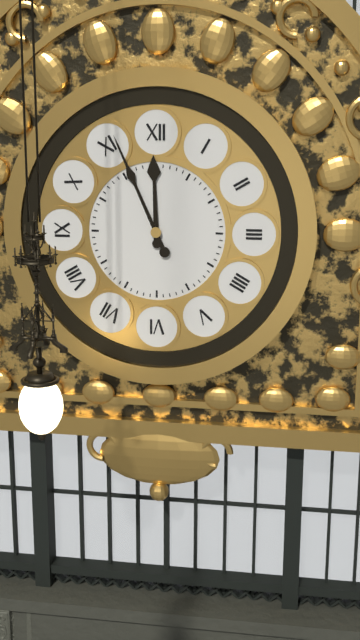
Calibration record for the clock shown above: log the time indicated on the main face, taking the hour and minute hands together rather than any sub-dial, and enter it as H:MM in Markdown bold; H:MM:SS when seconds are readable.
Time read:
**11:56**
